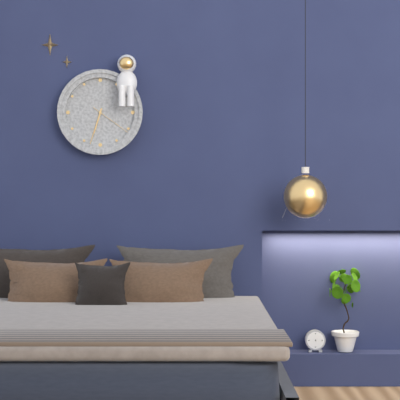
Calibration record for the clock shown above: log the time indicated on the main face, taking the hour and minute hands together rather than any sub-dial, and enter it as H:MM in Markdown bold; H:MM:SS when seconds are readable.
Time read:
**6:33**
